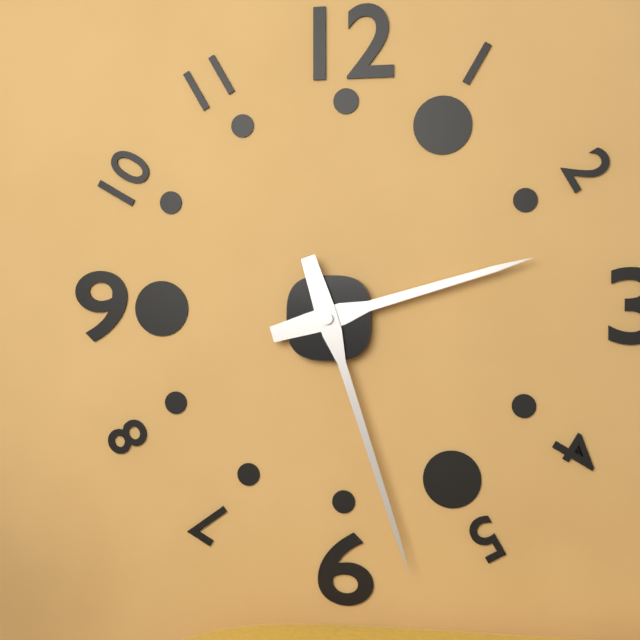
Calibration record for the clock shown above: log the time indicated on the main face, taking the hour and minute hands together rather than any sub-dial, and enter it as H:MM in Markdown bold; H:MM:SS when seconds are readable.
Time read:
**2:27**
